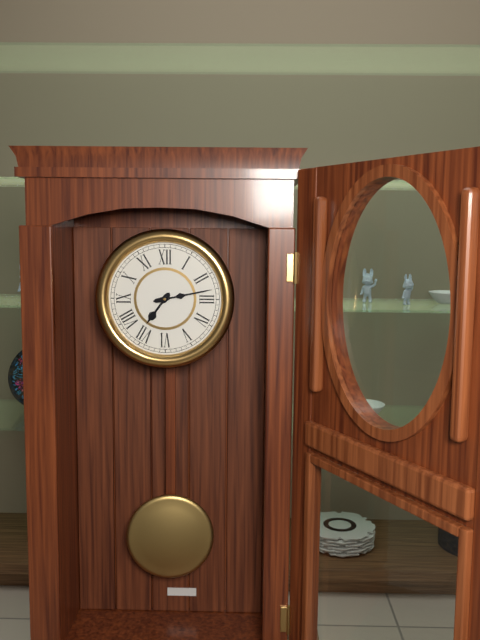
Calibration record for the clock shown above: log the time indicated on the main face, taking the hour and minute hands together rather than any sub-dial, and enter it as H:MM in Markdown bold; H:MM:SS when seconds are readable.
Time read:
**7:13**
